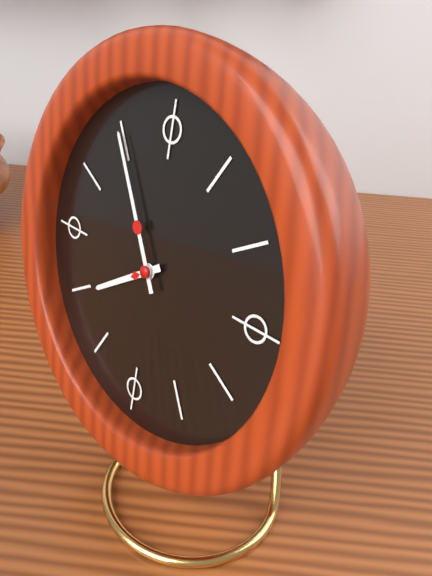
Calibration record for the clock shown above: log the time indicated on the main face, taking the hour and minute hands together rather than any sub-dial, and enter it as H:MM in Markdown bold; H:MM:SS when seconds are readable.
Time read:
**7:55**
